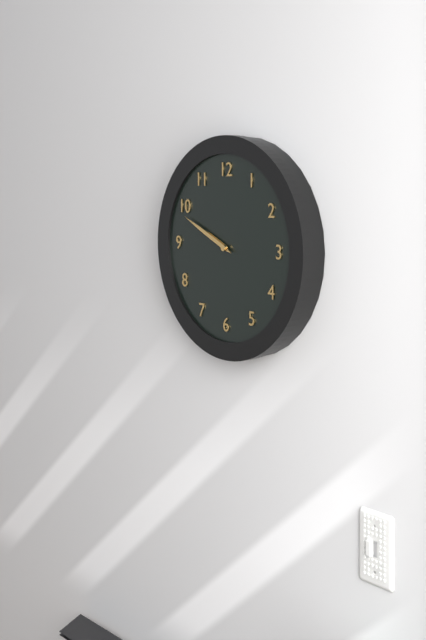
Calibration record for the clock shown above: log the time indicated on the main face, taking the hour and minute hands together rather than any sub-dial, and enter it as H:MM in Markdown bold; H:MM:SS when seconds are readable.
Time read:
**9:49**
